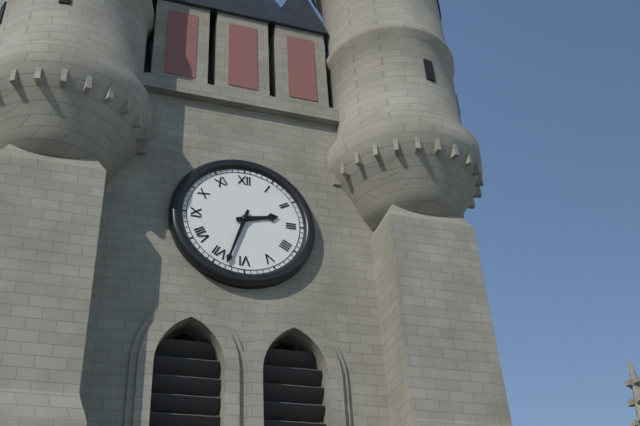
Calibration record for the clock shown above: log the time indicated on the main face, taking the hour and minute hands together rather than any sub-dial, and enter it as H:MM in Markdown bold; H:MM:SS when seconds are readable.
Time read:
**2:33**
